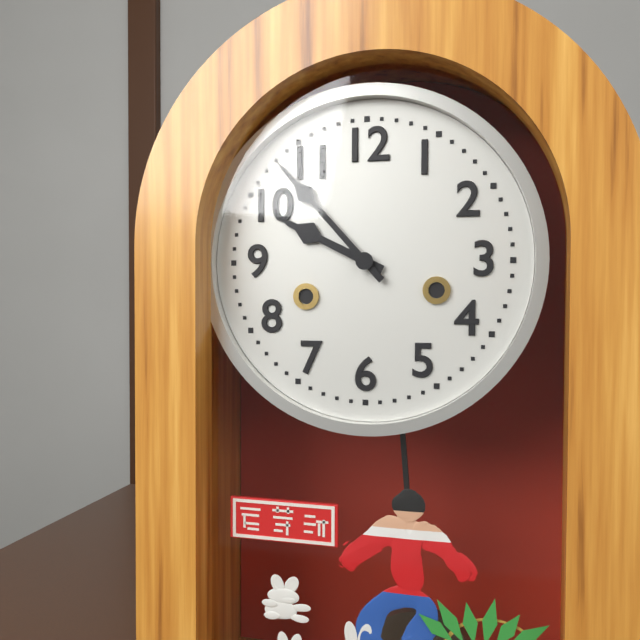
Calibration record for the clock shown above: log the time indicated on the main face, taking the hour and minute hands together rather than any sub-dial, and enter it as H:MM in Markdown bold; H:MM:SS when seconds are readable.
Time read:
**9:53**
